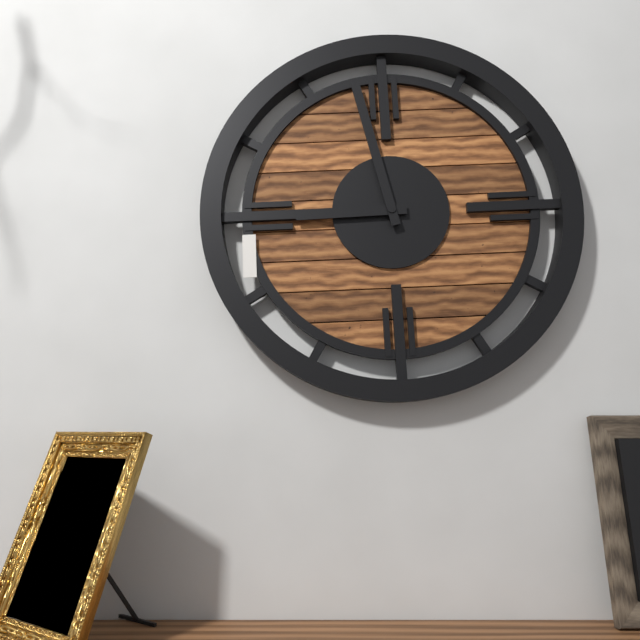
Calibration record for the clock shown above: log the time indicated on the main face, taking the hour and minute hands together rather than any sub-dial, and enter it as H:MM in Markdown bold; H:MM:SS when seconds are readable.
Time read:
**8:58**
